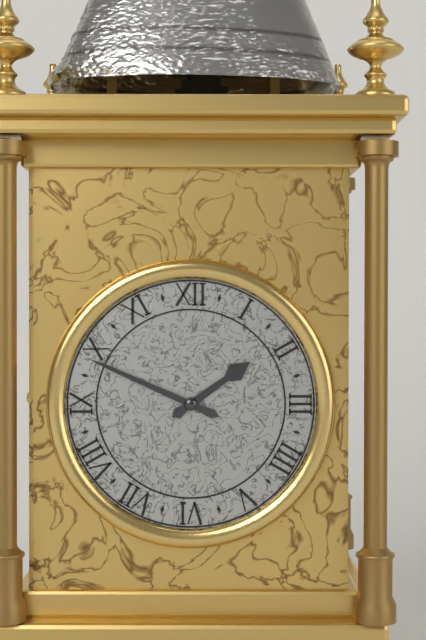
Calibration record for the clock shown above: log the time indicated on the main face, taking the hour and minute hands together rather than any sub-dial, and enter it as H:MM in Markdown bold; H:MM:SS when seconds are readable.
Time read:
**1:49**
